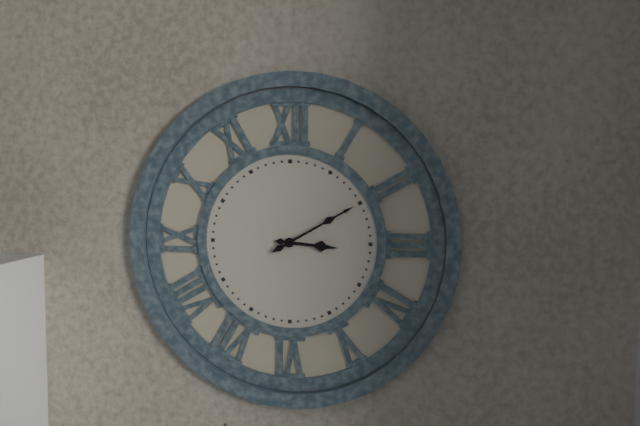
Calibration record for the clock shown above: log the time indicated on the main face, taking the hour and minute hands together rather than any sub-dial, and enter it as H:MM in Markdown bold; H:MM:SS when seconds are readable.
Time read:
**3:10**
